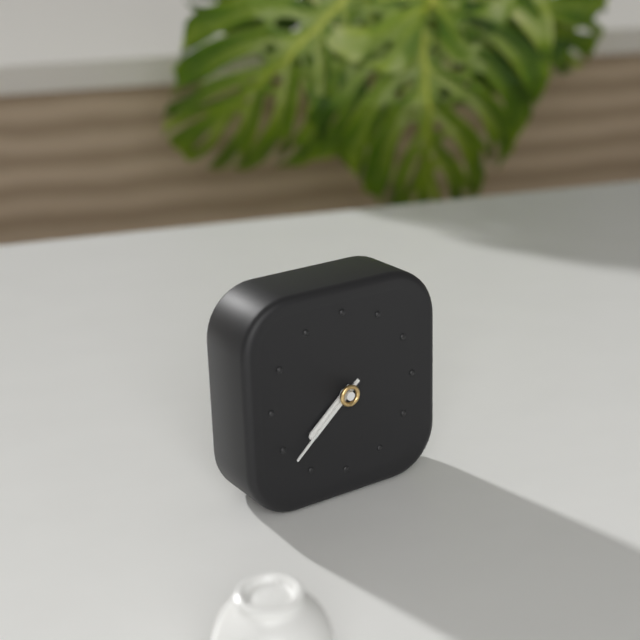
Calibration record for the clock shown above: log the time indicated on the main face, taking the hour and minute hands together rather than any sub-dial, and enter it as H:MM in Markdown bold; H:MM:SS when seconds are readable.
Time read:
**7:38**
